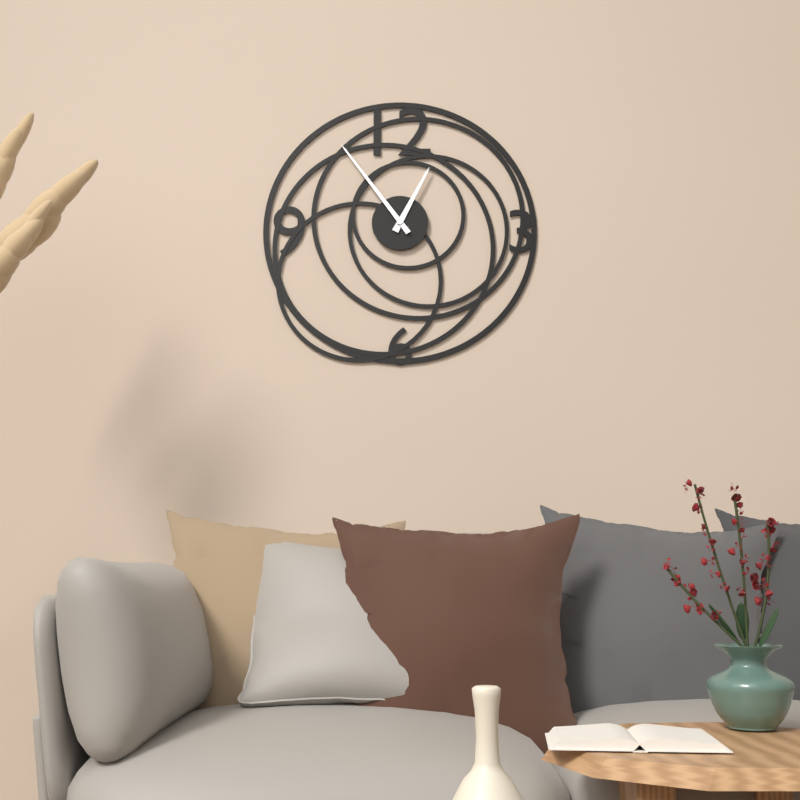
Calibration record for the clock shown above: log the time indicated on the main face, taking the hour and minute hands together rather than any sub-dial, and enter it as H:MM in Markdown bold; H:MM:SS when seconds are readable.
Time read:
**12:54**
